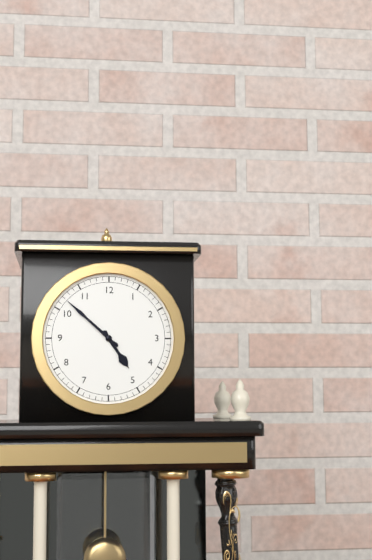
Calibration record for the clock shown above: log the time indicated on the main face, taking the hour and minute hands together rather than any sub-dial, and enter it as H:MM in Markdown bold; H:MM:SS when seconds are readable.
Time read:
**4:52**
